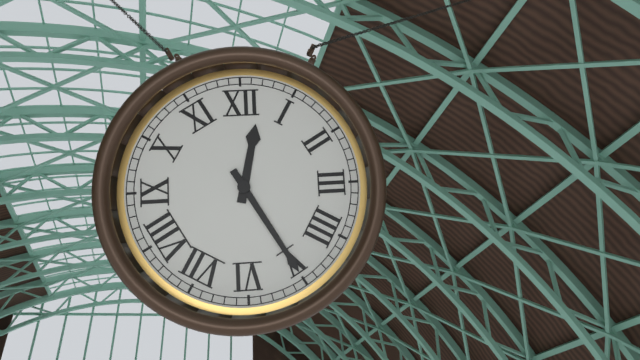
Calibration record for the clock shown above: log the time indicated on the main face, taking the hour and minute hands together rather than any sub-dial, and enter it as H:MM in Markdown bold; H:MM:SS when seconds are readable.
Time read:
**12:25**
